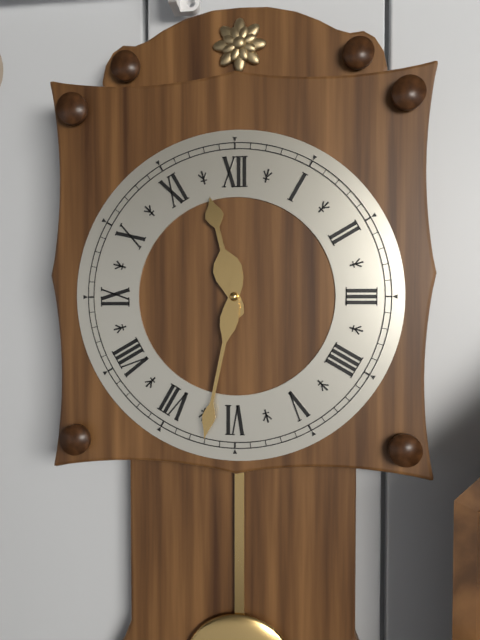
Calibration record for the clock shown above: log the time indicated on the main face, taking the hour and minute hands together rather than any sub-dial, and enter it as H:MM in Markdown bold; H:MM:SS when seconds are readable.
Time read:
**11:32**
